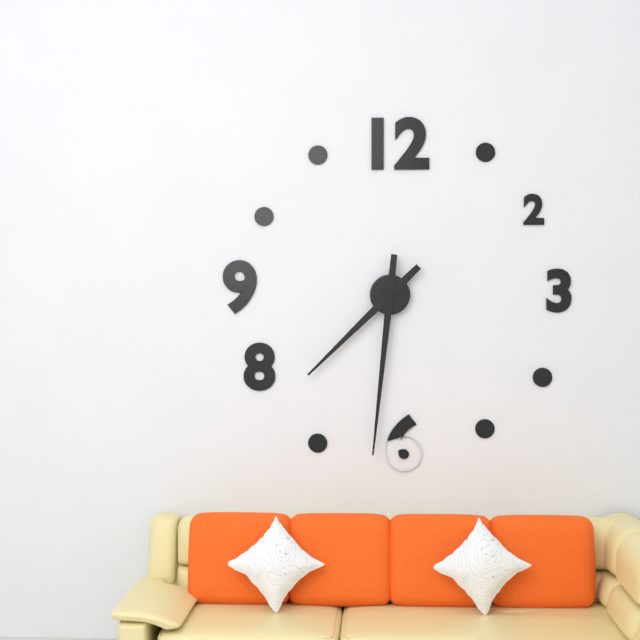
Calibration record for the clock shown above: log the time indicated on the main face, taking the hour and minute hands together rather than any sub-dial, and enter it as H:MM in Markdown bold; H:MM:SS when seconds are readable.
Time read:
**7:31**
